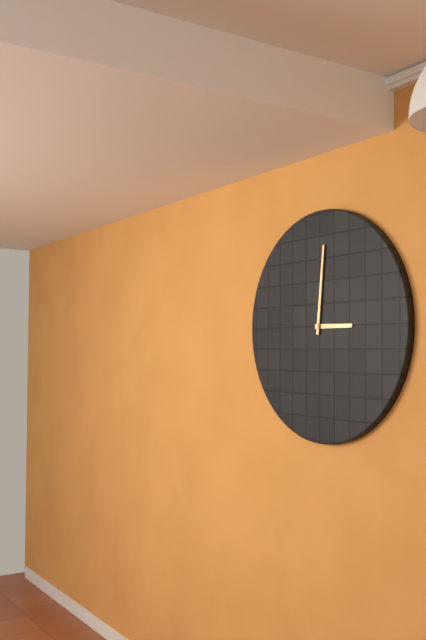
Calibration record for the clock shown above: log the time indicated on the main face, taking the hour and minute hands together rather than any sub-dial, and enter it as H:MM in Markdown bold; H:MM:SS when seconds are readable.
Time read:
**3:01**
